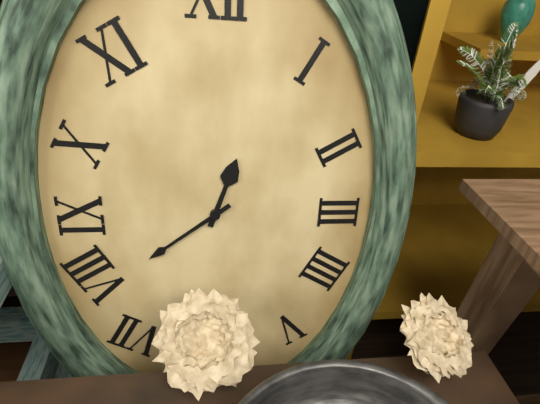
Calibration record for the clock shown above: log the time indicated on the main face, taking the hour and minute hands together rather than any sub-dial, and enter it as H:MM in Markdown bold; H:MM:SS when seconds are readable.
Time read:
**12:39**
